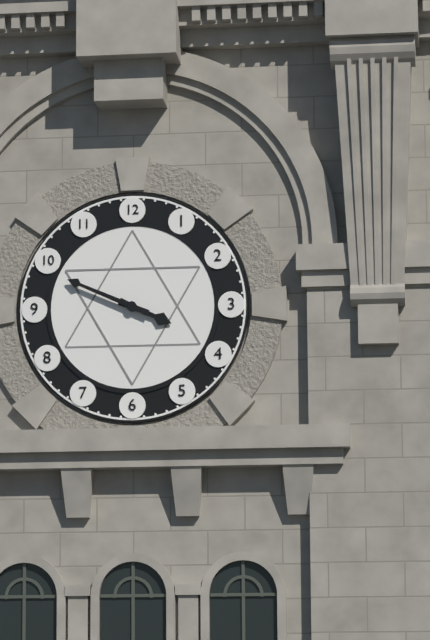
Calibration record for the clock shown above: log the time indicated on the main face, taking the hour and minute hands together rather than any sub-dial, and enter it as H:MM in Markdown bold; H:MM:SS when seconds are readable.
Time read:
**3:49**
